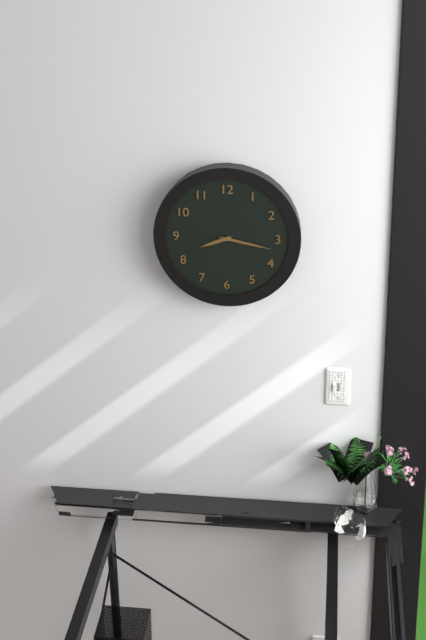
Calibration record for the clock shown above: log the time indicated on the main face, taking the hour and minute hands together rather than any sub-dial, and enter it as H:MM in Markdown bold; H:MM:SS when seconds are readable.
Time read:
**8:17**
